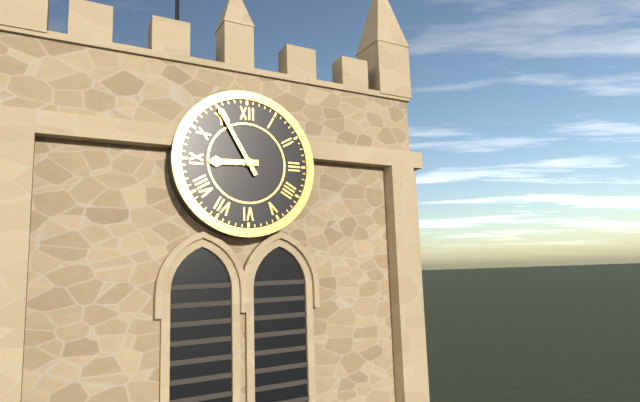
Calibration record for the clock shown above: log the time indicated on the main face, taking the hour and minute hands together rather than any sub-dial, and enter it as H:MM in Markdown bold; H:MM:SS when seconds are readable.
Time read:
**8:55**
